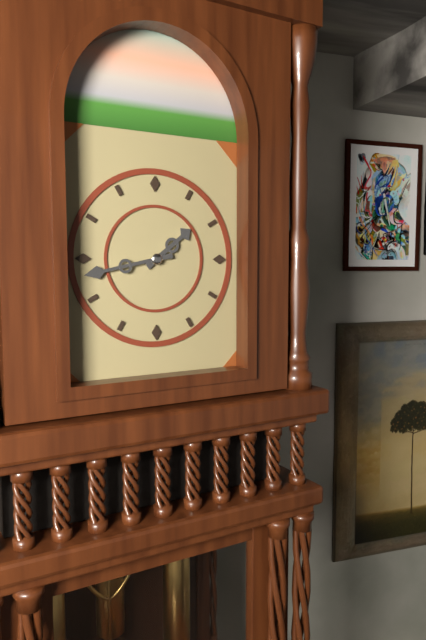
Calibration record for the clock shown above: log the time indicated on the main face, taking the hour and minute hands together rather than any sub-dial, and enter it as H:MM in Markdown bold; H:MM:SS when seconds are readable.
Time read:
**1:43**
